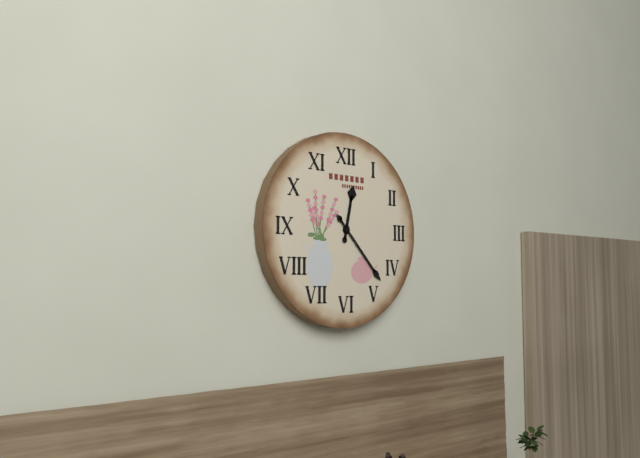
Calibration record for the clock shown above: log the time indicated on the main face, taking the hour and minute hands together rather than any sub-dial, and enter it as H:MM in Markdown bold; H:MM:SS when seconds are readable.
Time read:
**12:23**
